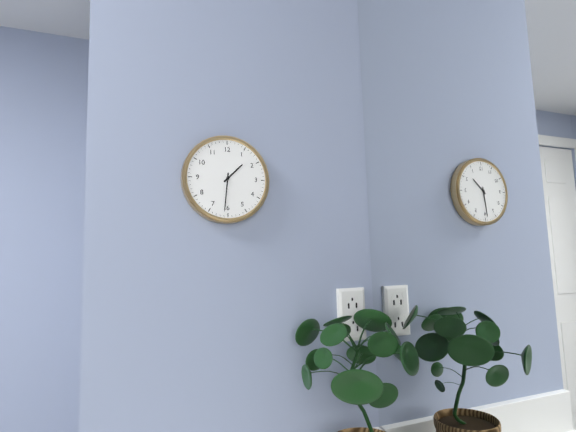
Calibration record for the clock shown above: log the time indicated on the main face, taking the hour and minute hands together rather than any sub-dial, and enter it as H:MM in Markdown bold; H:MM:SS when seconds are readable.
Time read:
**1:31**
